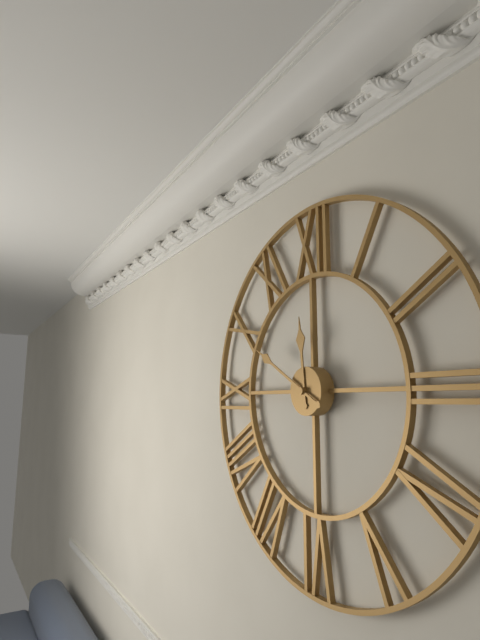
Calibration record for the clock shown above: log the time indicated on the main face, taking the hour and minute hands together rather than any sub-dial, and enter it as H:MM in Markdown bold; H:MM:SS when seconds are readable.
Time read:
**11:50**
